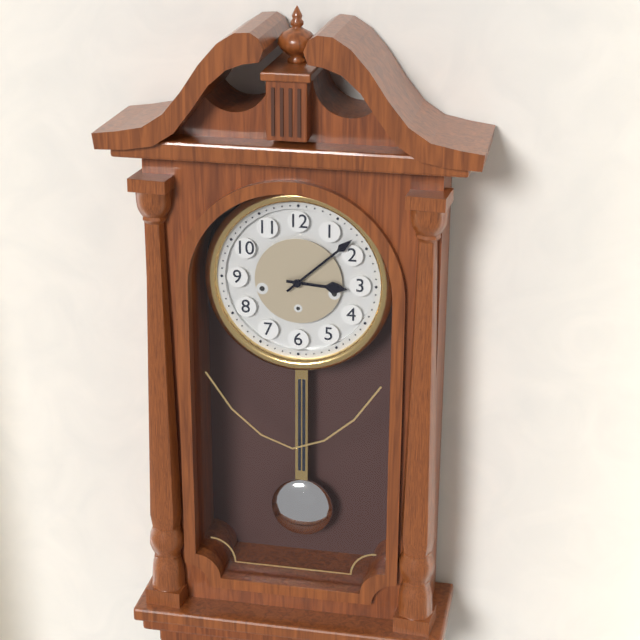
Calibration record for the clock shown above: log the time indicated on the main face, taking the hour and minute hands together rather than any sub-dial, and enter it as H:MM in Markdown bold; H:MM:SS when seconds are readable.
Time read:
**3:08**
